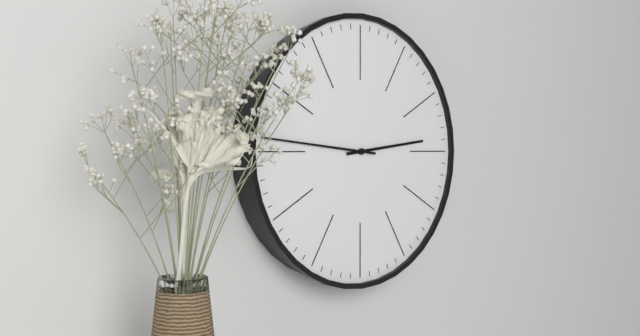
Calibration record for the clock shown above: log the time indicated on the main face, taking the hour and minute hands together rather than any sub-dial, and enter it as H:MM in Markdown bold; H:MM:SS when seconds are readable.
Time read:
**2:46**
